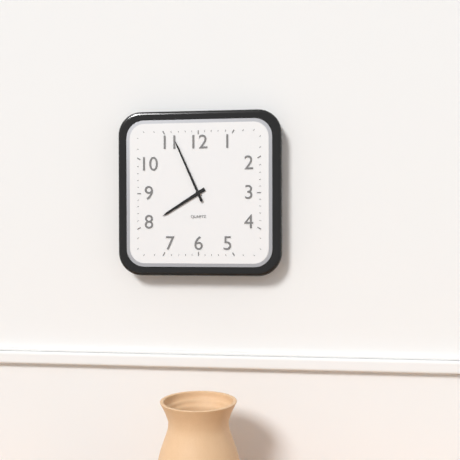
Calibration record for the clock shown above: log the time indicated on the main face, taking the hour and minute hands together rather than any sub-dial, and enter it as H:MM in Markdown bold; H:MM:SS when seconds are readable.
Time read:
**7:56**
